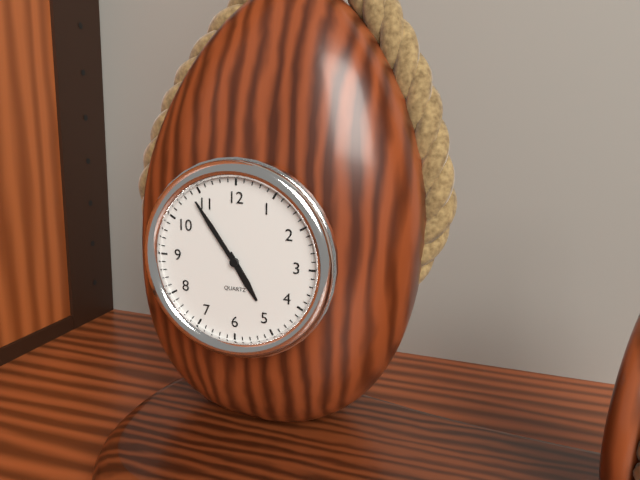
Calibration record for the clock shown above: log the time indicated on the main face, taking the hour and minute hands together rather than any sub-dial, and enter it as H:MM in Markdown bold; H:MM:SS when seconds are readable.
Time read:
**4:54**
